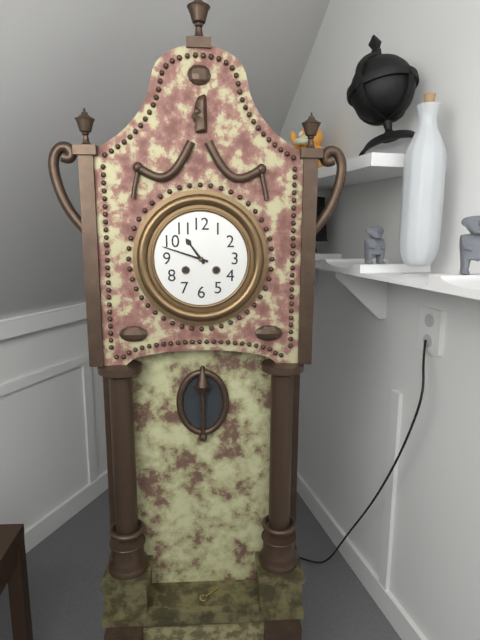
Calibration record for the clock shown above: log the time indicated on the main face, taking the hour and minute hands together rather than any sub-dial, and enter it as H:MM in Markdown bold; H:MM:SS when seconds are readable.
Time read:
**10:48**
